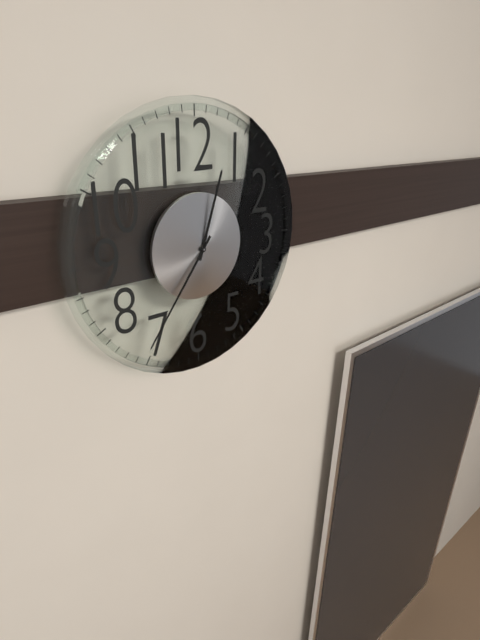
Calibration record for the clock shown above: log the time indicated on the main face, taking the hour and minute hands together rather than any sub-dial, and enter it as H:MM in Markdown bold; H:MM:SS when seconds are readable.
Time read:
**12:36**
